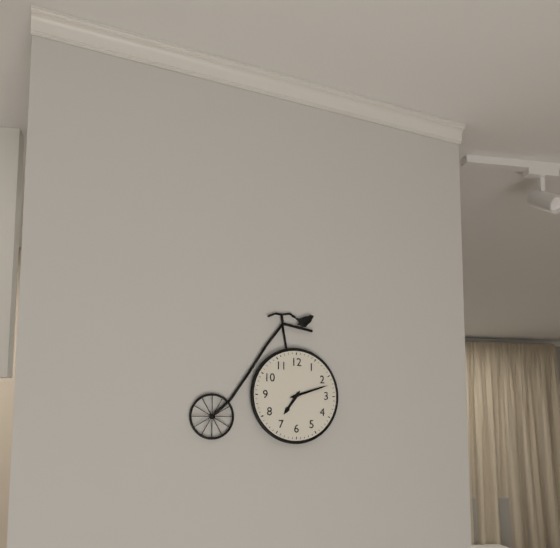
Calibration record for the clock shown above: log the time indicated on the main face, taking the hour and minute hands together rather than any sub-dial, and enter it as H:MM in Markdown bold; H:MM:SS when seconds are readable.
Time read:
**7:12**
